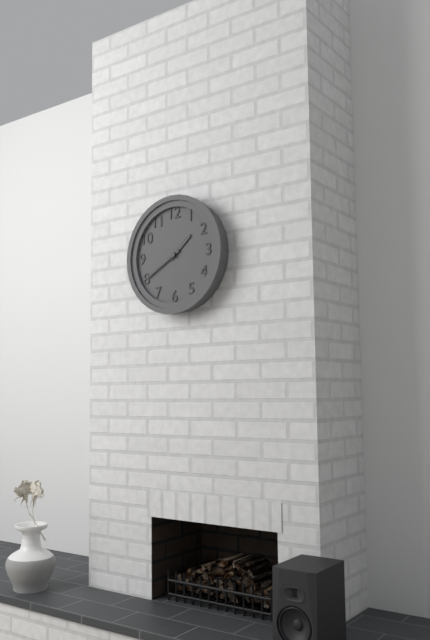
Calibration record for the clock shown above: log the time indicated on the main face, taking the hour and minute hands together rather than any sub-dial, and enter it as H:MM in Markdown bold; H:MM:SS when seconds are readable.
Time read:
**1:40**
